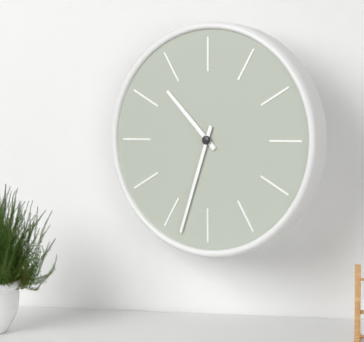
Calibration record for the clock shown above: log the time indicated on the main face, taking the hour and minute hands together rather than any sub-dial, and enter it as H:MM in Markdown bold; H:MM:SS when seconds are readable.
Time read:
**10:33**
